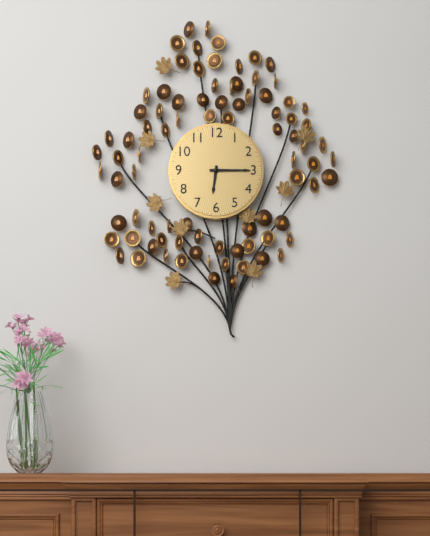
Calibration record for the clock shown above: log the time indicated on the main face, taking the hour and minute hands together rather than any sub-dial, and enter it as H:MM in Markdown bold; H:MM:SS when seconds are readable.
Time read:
**6:15**
